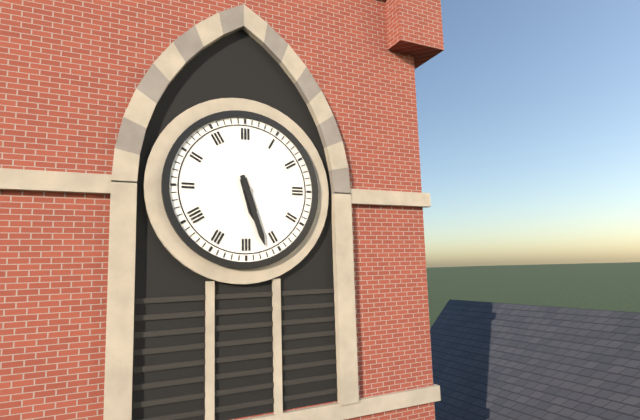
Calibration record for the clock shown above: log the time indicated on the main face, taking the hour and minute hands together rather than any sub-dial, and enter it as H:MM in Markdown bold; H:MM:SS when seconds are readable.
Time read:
**5:27**
